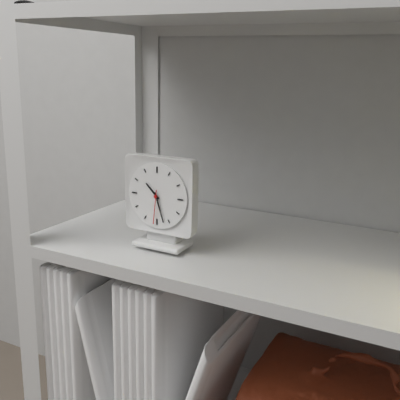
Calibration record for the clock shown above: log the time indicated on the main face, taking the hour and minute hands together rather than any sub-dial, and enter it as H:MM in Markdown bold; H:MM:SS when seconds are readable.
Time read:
**10:27**
